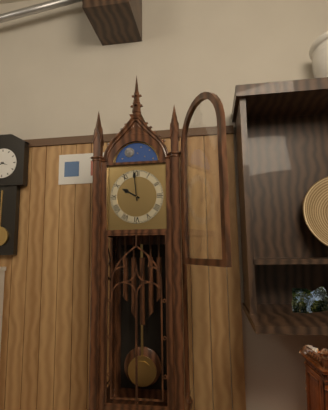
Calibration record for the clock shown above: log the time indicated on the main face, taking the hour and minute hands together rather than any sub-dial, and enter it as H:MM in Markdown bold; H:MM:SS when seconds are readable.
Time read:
**9:59**
